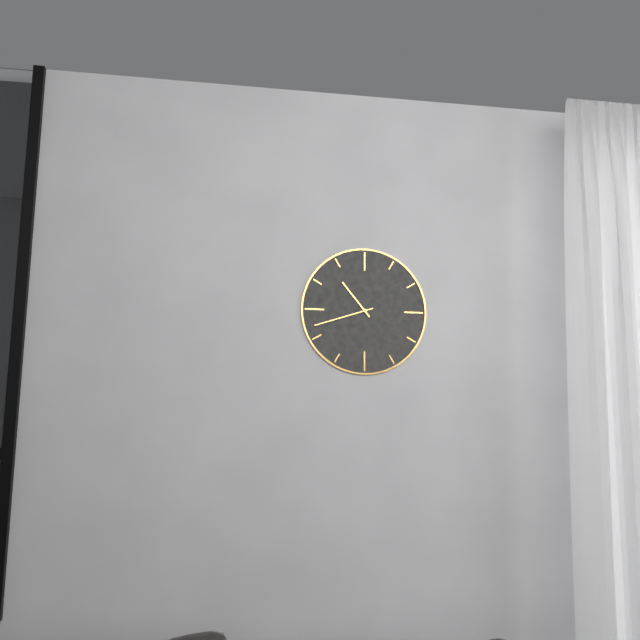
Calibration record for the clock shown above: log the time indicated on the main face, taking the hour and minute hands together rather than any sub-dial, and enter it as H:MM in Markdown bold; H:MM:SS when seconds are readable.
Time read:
**10:42**
